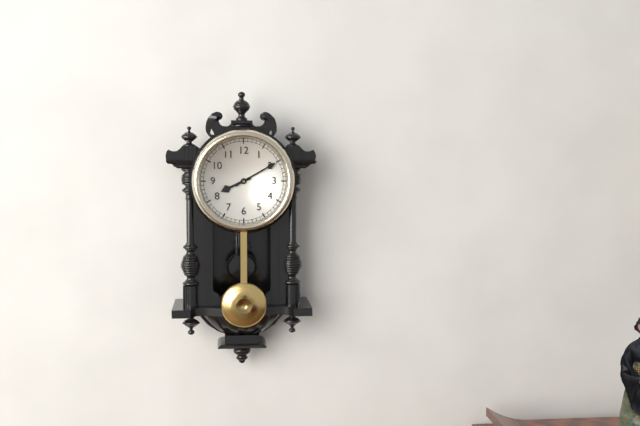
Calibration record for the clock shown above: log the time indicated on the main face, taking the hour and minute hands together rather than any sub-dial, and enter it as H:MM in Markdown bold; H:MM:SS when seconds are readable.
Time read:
**8:10**
